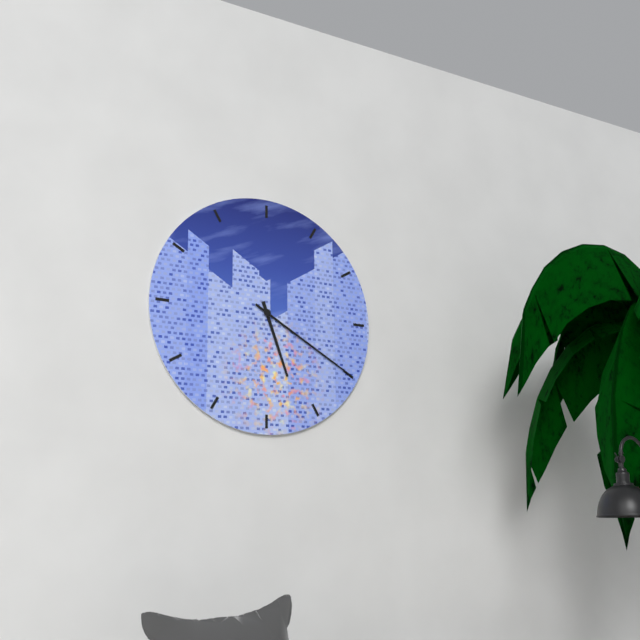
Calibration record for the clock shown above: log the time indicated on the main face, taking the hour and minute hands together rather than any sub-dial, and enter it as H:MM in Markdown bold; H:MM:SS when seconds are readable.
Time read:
**5:20**
